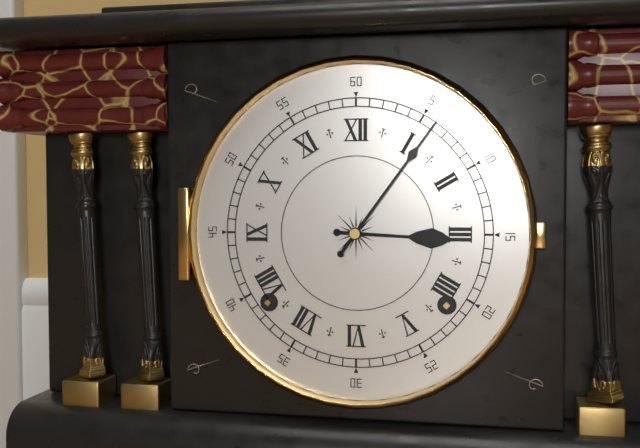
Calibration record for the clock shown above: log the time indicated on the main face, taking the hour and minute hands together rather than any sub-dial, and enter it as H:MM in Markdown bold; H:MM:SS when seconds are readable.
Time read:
**3:06**
